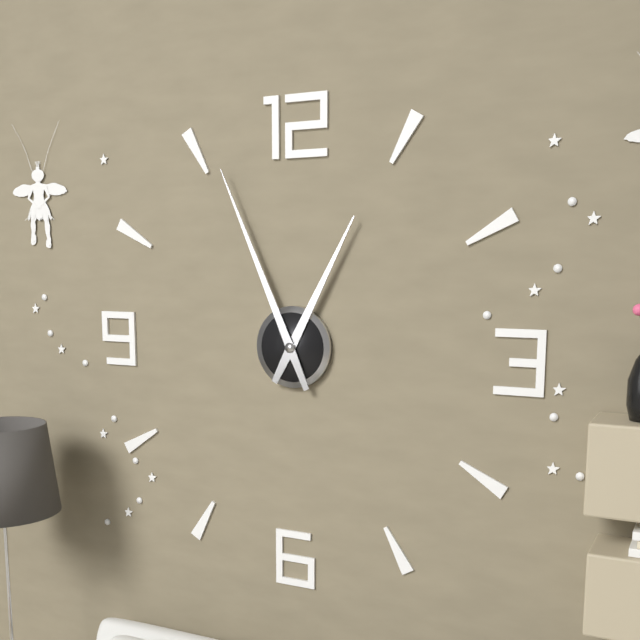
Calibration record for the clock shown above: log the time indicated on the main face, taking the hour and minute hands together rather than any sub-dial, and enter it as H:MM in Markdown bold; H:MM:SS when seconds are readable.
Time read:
**12:56**
